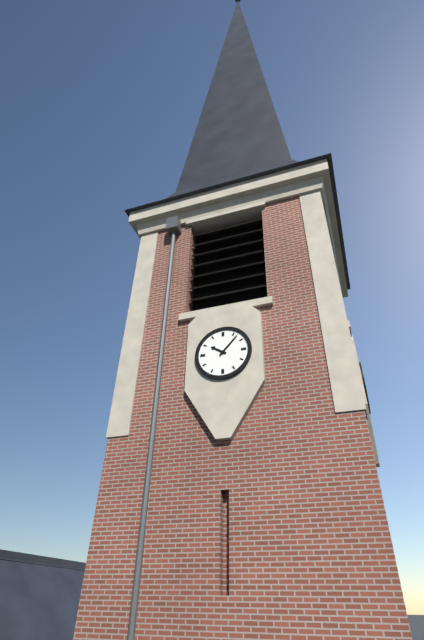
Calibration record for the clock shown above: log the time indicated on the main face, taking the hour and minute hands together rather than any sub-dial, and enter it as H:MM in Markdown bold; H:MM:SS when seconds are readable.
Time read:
**10:07**
